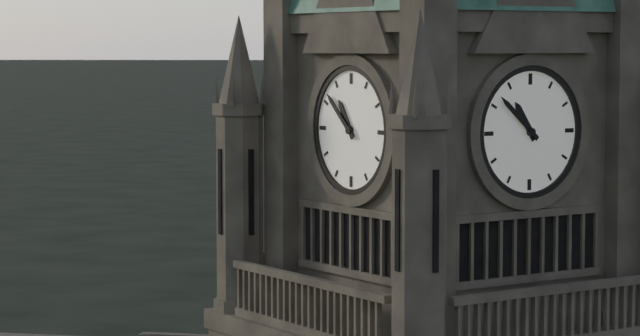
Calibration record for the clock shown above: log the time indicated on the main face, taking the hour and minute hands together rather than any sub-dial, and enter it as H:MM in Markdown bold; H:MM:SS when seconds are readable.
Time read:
**10:52**
